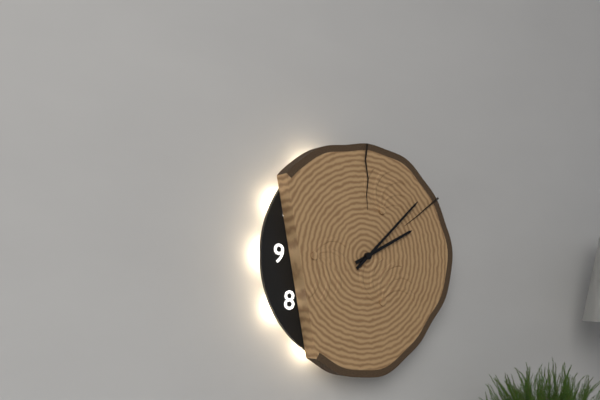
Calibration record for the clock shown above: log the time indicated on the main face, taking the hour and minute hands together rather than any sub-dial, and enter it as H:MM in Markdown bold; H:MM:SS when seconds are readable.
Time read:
**2:08**
